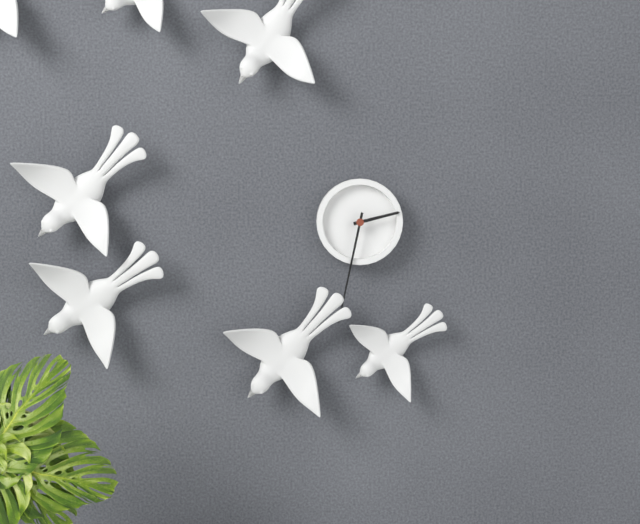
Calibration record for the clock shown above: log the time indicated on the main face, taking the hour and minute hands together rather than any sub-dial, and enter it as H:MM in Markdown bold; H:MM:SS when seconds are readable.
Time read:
**2:32**
